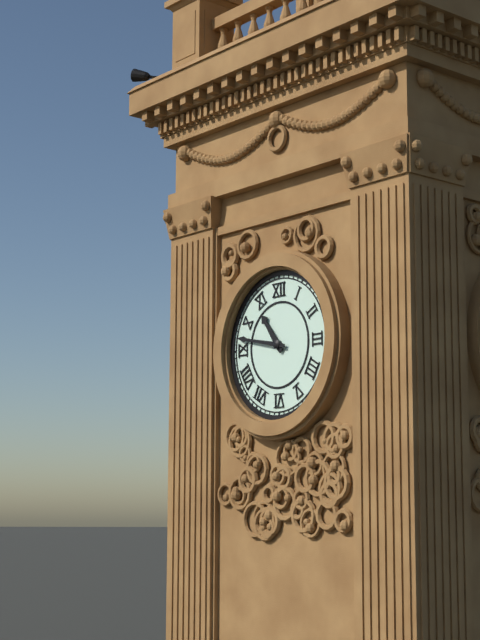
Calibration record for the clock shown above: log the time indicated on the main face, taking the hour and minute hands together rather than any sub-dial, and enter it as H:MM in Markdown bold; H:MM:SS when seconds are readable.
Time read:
**10:47**
